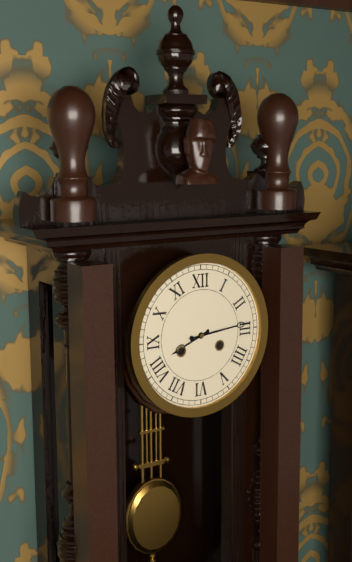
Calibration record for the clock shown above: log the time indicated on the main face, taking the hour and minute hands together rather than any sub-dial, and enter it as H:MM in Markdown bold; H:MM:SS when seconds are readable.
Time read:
**8:14**
